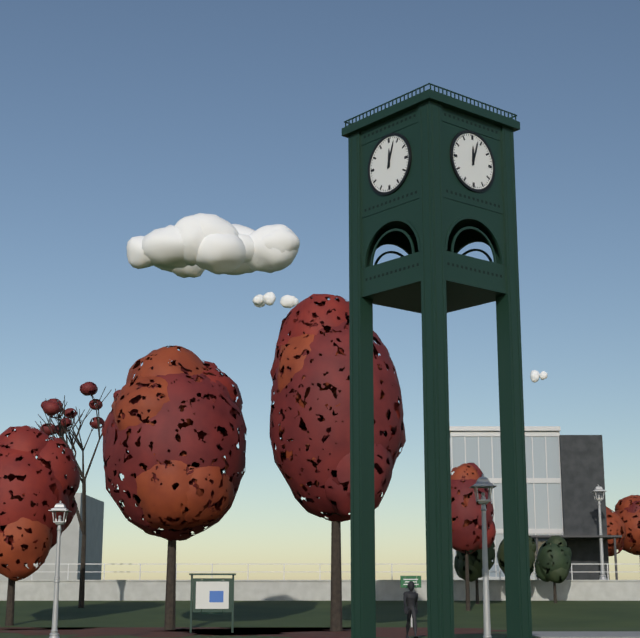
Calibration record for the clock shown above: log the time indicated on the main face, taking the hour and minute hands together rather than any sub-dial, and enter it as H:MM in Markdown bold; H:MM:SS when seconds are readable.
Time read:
**12:03**
